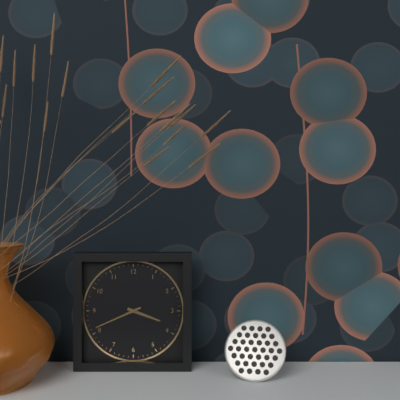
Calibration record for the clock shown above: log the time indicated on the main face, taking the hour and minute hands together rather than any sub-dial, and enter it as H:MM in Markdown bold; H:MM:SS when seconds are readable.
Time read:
**3:41**
